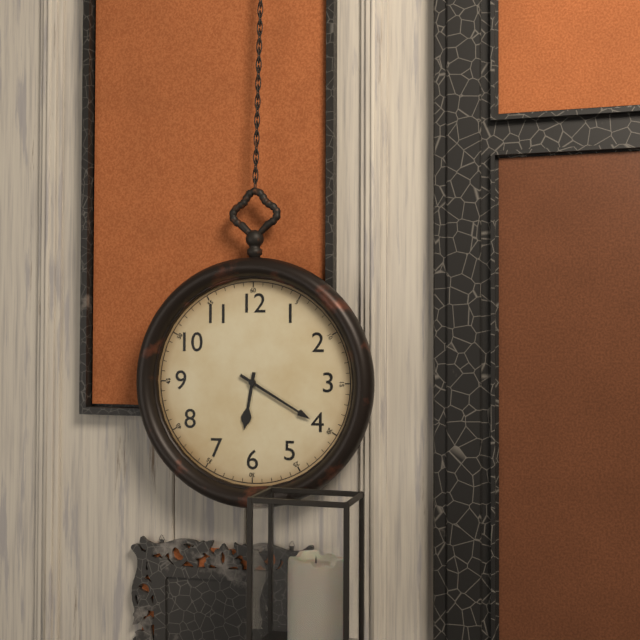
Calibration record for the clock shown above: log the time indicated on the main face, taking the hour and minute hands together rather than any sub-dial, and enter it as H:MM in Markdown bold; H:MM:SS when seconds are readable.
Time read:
**6:20**
